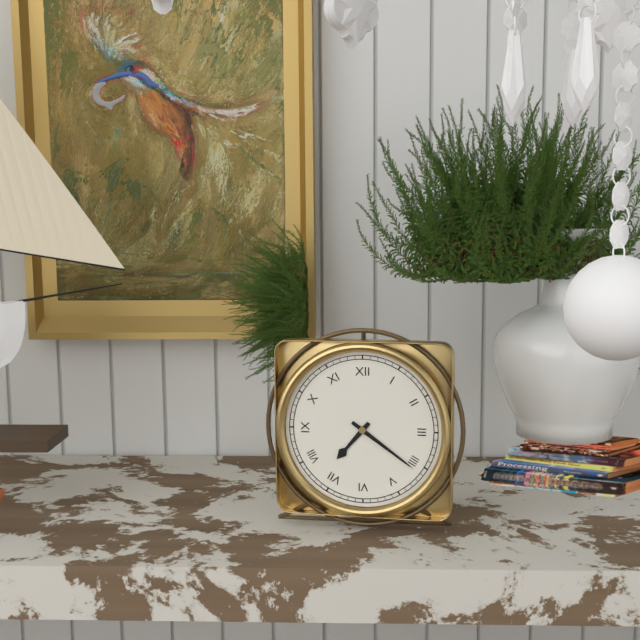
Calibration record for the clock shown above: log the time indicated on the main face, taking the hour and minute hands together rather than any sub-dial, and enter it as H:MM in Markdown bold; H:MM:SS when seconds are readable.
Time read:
**7:21**
